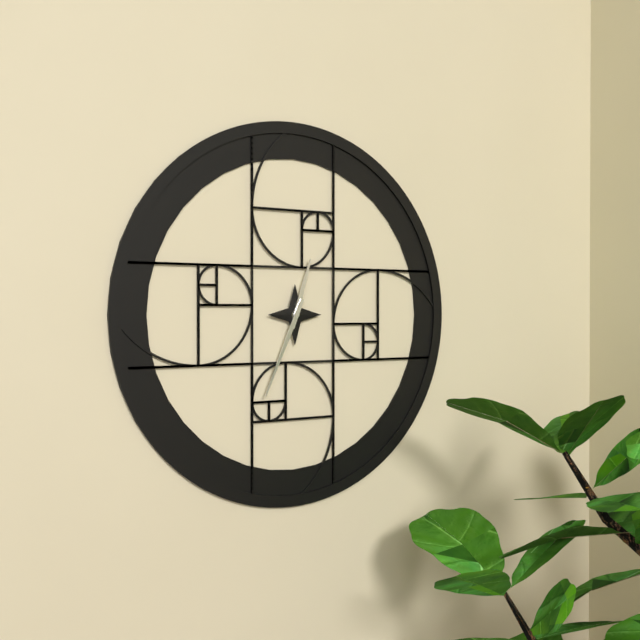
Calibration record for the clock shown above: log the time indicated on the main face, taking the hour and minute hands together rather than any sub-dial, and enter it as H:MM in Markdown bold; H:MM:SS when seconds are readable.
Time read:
**12:34**
